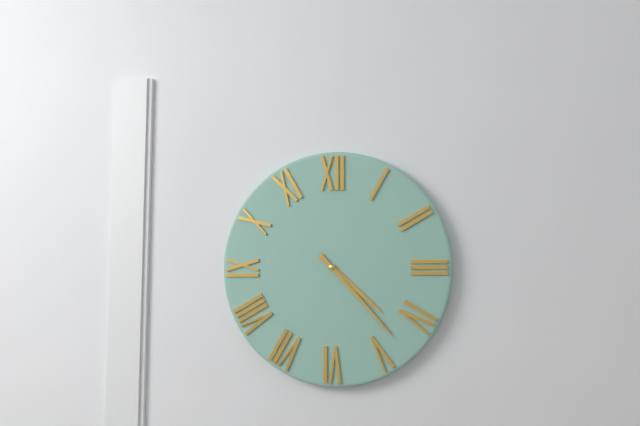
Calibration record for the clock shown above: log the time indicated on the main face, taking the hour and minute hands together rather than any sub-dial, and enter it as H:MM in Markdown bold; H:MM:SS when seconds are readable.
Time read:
**4:23**
